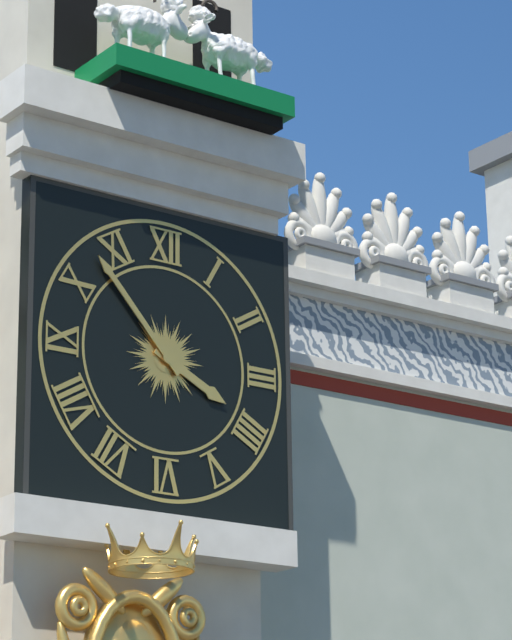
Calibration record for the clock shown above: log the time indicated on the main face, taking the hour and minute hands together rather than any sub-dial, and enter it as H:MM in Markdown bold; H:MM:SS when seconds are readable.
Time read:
**3:53**
